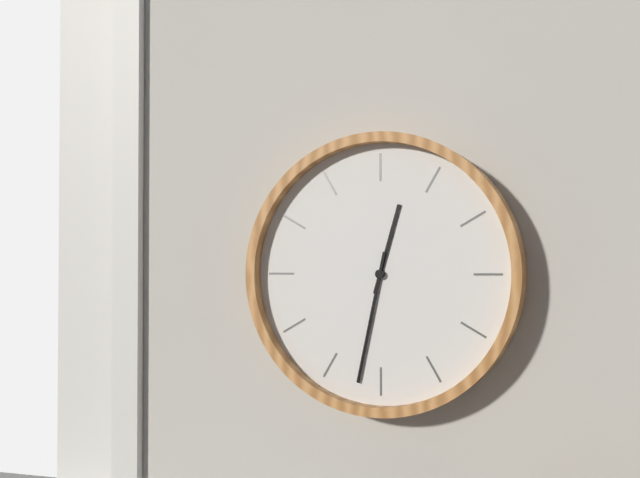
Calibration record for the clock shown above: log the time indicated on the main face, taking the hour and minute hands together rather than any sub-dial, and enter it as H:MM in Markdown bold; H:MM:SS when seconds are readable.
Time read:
**12:32**
